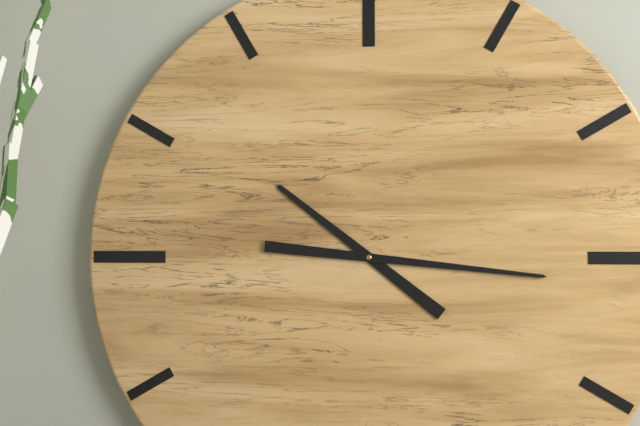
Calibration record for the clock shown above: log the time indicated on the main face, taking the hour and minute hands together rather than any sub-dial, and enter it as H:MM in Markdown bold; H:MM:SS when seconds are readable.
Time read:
**10:16**
